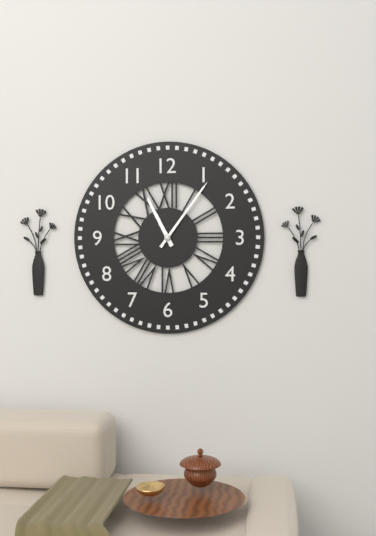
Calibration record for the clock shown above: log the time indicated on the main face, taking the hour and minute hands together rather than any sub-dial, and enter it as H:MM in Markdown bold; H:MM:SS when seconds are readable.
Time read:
**11:06**
